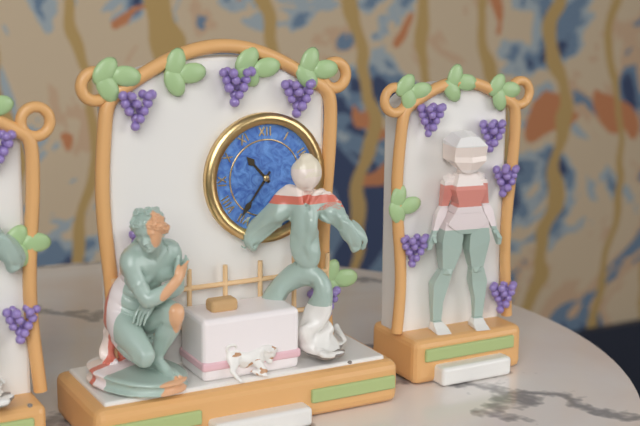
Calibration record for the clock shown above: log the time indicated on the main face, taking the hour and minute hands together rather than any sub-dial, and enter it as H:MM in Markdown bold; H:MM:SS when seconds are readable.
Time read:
**10:36**
